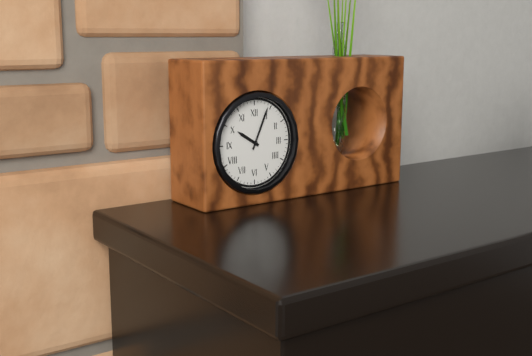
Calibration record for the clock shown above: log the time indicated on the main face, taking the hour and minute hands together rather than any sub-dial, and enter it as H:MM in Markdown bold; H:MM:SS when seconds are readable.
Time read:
**10:04**
